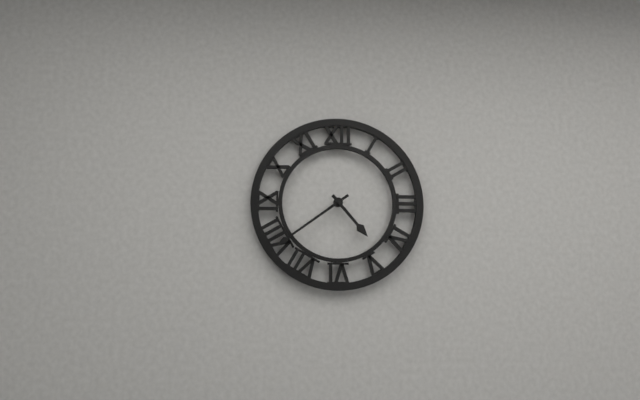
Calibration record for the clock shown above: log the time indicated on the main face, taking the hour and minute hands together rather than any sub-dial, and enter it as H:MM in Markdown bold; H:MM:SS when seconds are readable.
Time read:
**4:39**
